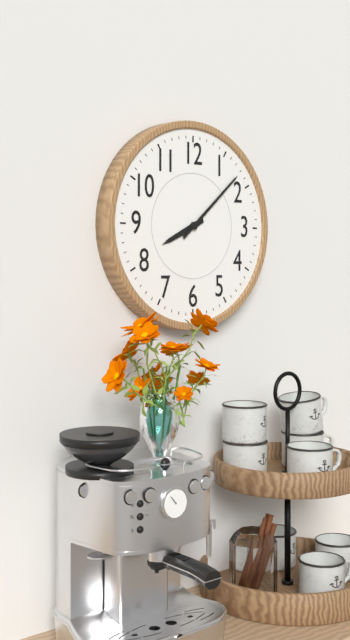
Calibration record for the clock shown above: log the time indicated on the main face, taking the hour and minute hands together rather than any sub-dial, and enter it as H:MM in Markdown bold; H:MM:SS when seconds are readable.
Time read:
**8:08**
